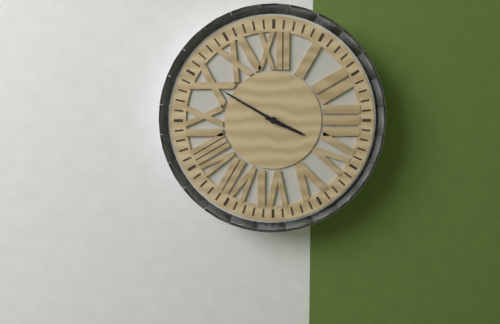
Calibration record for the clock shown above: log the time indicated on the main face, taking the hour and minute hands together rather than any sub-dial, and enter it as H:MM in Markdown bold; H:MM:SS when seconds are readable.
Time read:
**3:50**
